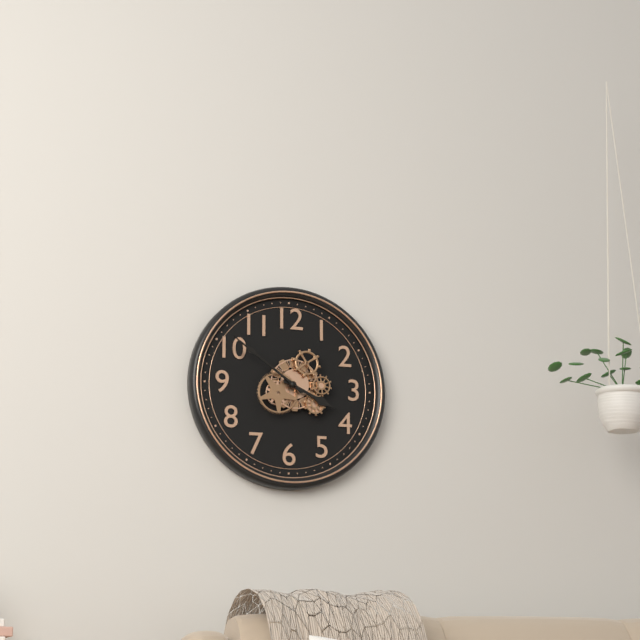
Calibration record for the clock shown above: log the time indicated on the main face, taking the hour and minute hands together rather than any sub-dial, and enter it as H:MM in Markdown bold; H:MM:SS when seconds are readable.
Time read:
**3:51**
